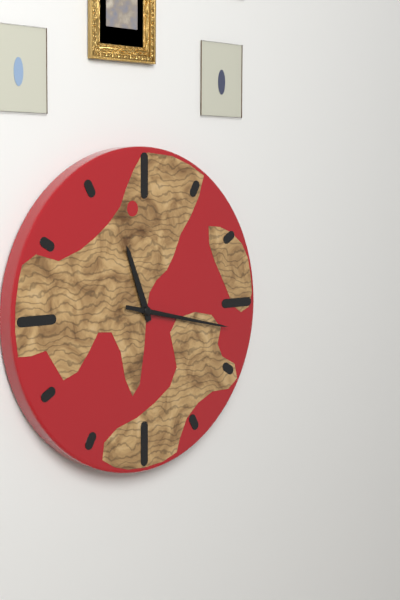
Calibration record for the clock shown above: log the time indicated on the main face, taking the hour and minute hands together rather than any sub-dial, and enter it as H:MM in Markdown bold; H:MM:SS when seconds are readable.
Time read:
**11:17**
